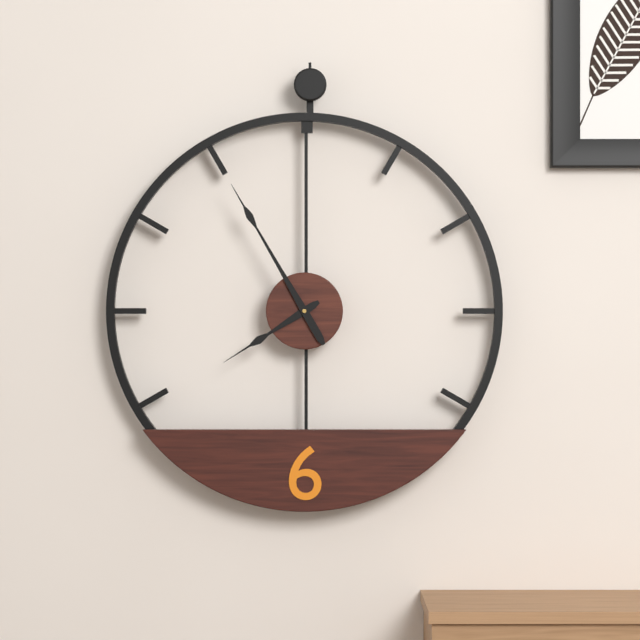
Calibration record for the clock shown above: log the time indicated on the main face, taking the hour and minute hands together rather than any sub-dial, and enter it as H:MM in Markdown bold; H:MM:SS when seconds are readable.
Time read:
**7:55**
